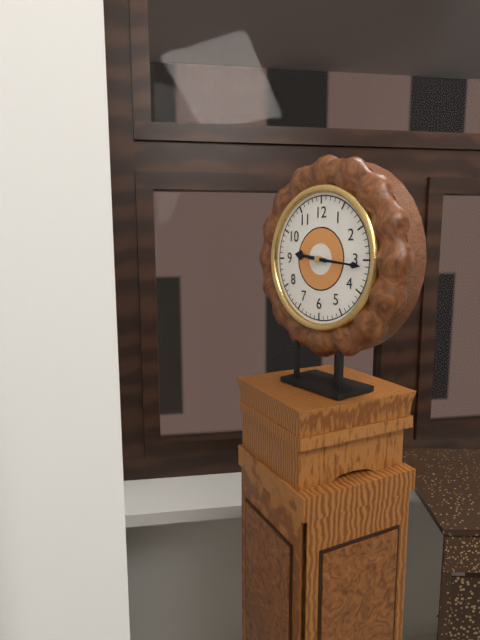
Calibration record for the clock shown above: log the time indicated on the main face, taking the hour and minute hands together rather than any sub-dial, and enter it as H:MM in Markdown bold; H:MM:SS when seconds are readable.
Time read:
**9:16**
